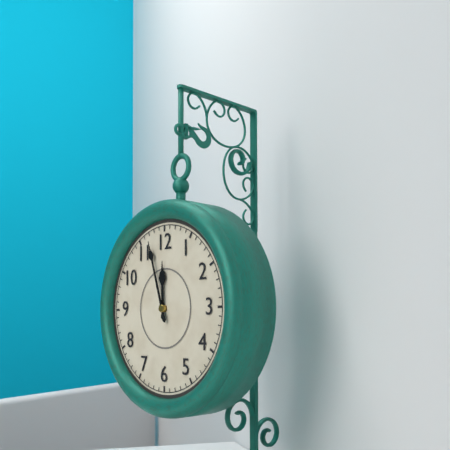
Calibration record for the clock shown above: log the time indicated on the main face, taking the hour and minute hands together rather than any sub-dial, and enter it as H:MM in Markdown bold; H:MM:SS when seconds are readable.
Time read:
**11:57**
